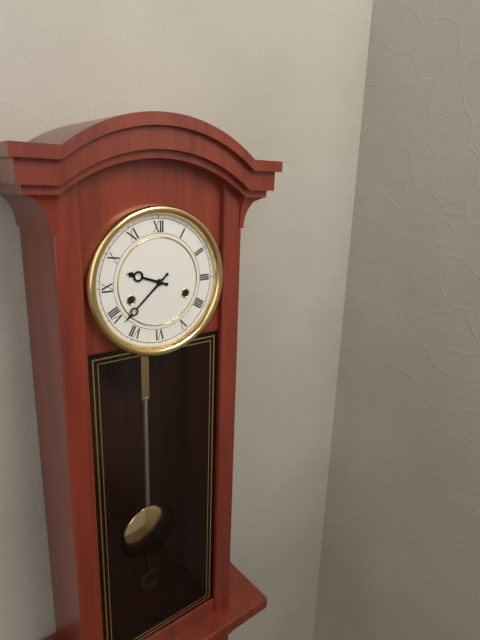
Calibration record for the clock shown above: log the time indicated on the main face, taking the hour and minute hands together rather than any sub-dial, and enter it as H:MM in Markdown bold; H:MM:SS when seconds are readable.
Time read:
**9:38**
